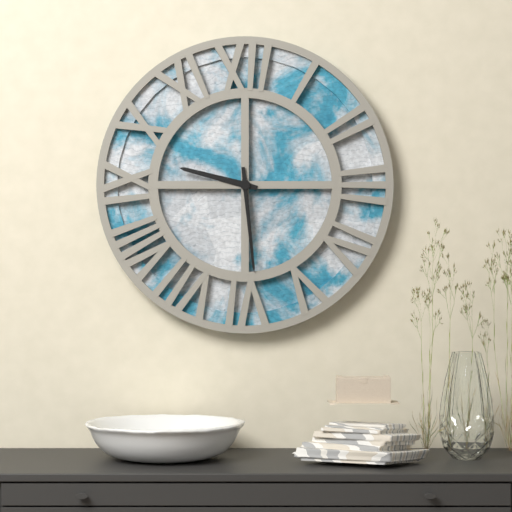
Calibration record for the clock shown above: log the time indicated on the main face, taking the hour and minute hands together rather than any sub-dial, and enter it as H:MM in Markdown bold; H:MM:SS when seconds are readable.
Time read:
**9:29**
